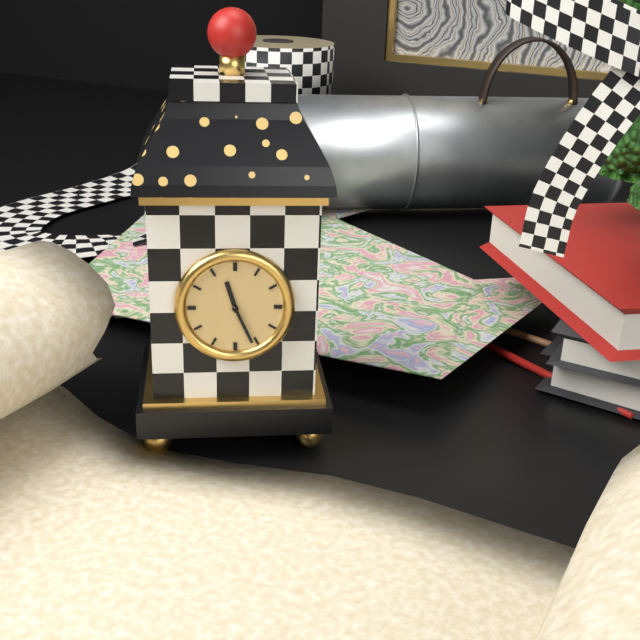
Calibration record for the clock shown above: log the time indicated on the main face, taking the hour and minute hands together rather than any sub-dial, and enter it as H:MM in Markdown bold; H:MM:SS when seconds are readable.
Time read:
**11:26**
